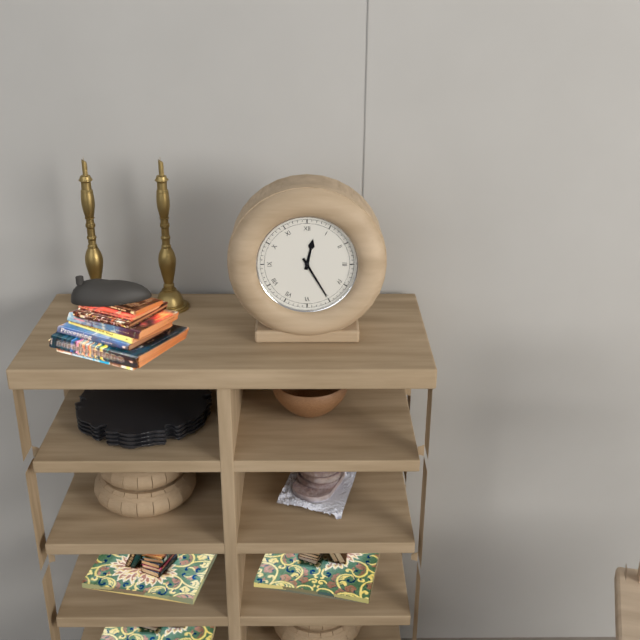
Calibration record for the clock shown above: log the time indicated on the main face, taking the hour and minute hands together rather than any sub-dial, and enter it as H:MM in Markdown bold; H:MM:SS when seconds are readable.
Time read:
**12:25**
